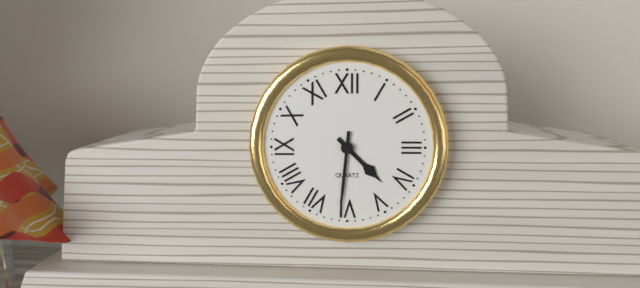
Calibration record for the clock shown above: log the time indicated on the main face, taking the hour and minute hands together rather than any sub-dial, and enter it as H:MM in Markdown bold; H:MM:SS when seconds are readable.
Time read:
**4:31**
